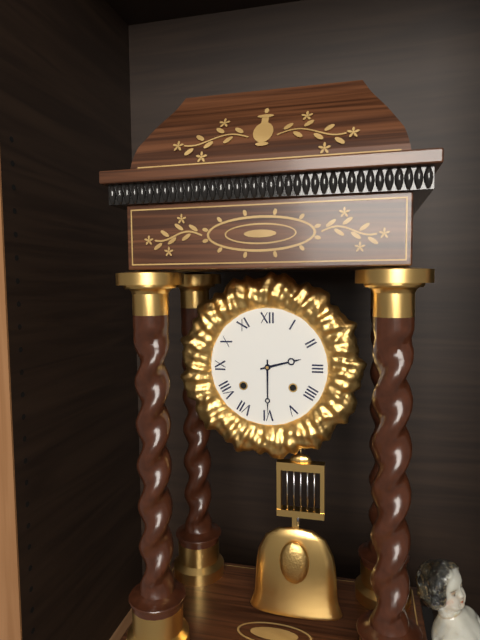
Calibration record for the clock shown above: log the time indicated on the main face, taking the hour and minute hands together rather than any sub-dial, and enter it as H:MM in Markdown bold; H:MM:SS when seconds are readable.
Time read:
**2:30**
